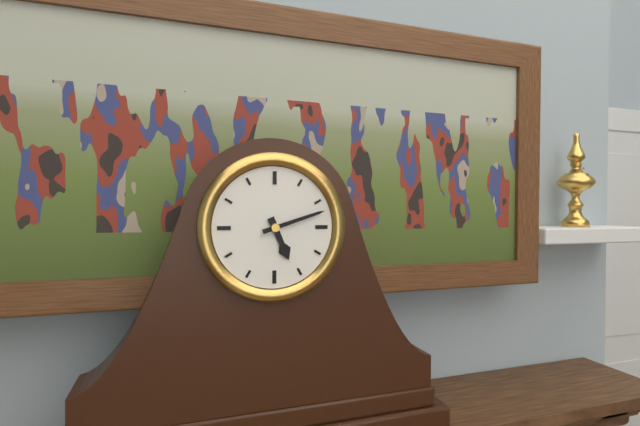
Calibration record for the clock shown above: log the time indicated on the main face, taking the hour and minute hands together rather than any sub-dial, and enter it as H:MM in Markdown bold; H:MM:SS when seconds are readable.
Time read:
**5:12**
